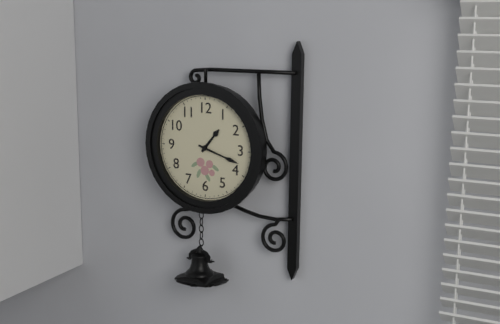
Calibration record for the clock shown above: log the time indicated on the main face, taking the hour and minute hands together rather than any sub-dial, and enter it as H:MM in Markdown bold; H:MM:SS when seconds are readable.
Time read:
**1:18**
